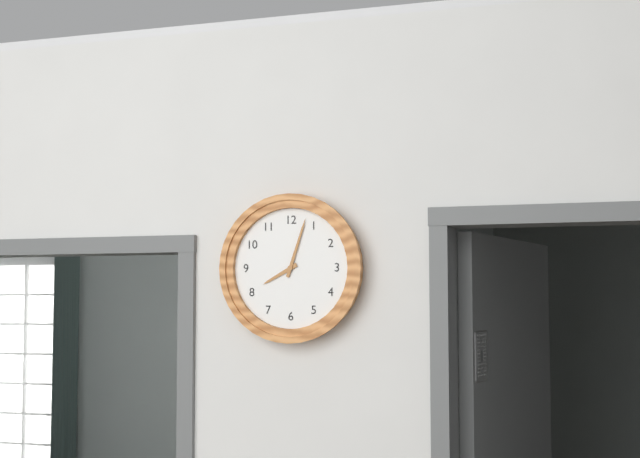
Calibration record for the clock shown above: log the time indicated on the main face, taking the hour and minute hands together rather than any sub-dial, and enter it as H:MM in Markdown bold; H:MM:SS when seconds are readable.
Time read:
**8:03**
